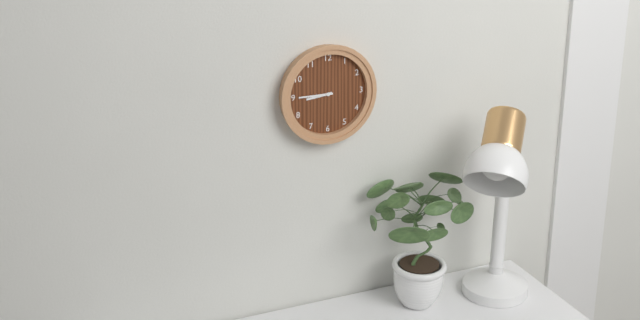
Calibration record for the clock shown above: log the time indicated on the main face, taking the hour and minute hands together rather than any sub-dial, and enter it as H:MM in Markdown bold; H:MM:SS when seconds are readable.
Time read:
**8:45**
